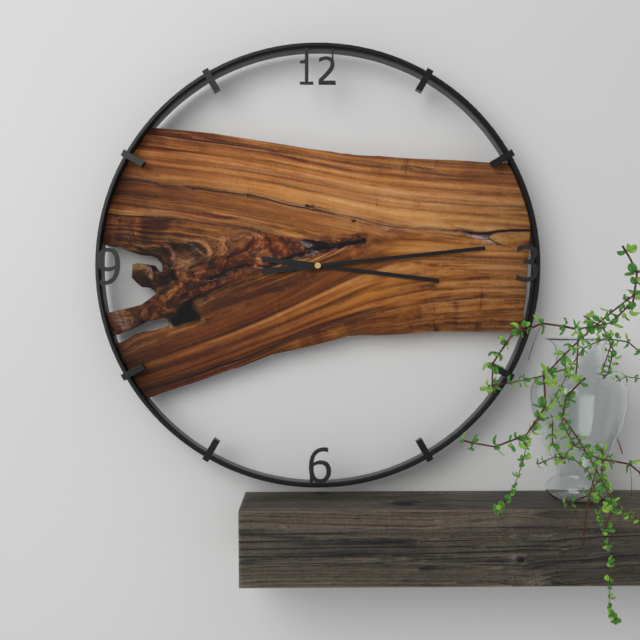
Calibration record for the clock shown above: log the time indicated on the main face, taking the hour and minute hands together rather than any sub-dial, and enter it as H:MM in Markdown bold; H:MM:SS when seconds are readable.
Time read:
**3:14**
